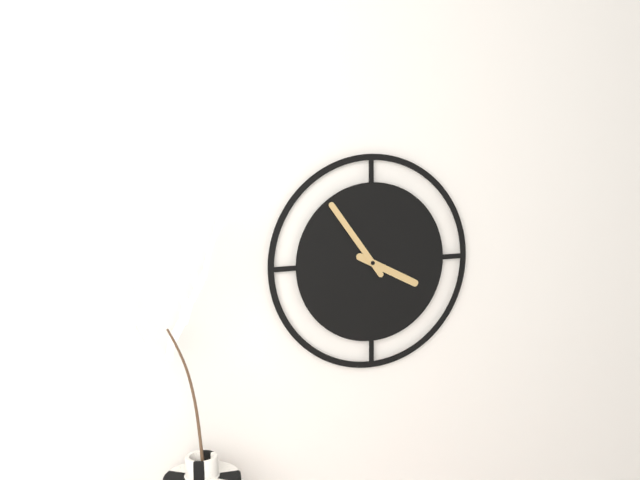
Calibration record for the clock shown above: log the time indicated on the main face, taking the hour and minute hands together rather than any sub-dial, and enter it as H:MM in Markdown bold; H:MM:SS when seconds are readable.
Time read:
**3:54**
